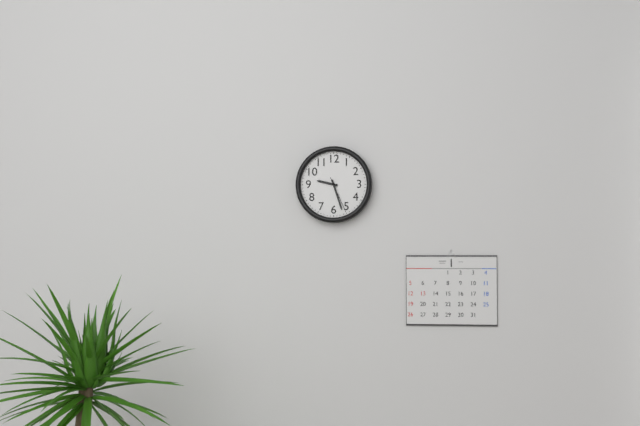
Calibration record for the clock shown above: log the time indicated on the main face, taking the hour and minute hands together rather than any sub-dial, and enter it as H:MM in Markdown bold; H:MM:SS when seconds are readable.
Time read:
**9:27**
